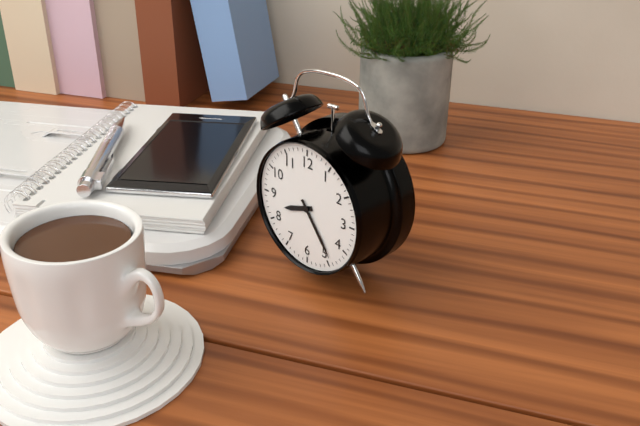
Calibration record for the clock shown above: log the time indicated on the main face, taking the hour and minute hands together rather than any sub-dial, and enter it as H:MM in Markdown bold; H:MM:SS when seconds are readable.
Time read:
**8:24**
